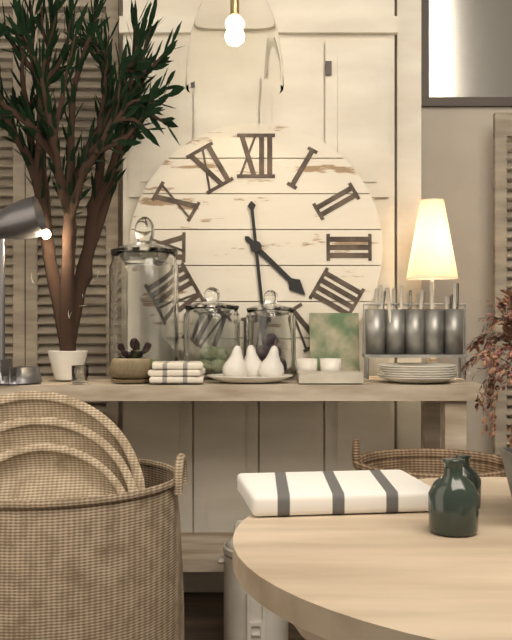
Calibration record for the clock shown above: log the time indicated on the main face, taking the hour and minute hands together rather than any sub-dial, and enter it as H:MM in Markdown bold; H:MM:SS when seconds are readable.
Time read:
**4:29**
